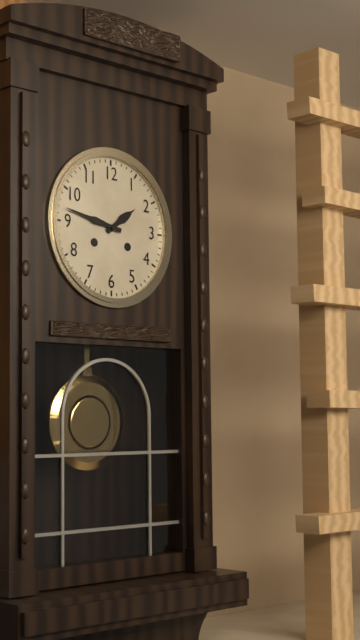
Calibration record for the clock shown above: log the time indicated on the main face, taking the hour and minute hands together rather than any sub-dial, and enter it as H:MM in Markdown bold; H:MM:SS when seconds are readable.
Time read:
**1:47**
